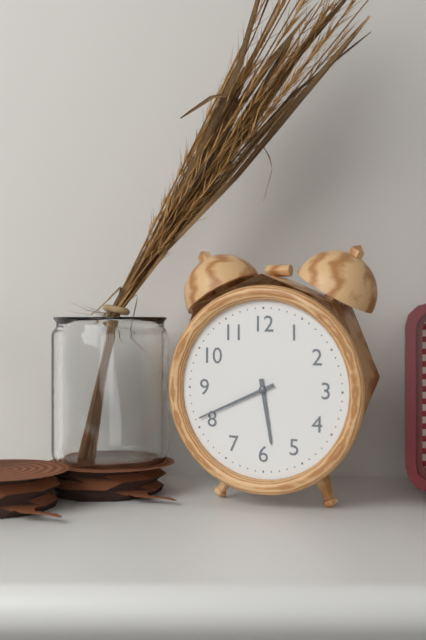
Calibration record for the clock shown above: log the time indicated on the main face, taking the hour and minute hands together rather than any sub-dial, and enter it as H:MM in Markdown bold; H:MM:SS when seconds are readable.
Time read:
**5:41**
